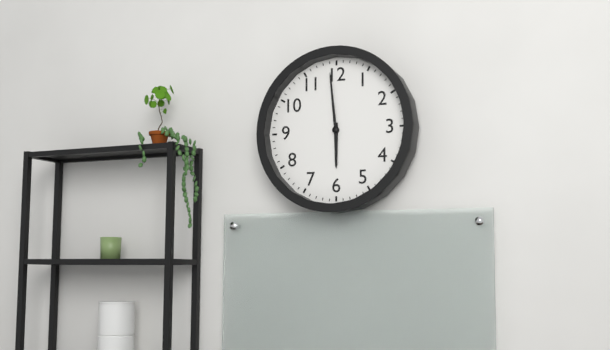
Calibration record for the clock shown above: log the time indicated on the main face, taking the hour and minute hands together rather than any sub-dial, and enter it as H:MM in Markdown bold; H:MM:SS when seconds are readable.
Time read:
**5:59**
